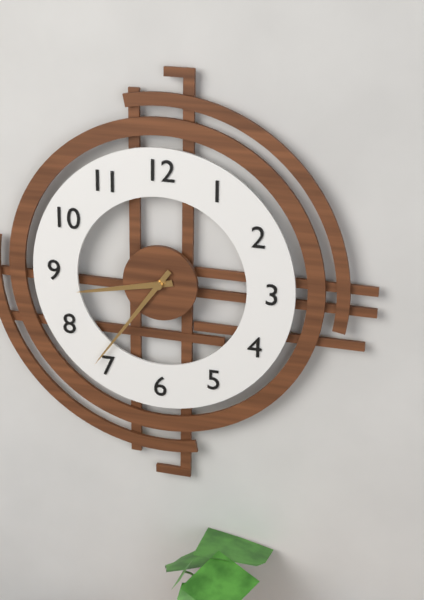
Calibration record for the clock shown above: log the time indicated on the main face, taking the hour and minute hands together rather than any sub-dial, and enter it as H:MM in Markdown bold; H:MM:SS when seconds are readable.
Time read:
**8:36**
